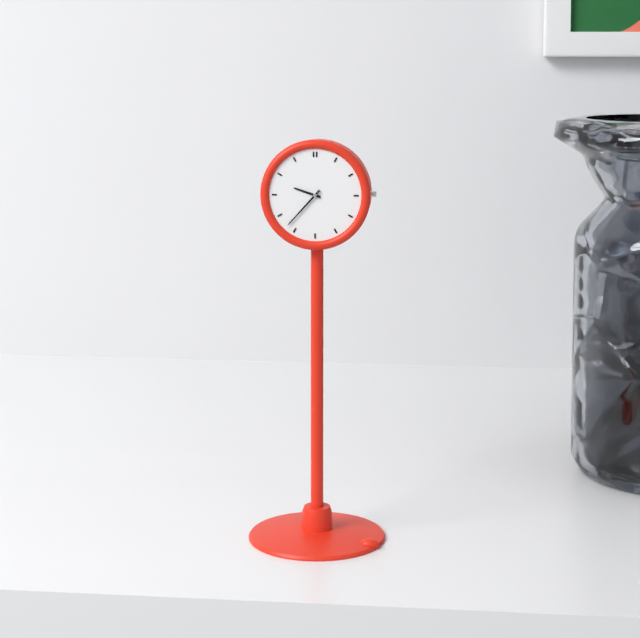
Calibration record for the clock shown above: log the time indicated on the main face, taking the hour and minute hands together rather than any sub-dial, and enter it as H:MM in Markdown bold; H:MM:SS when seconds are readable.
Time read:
**9:37**
